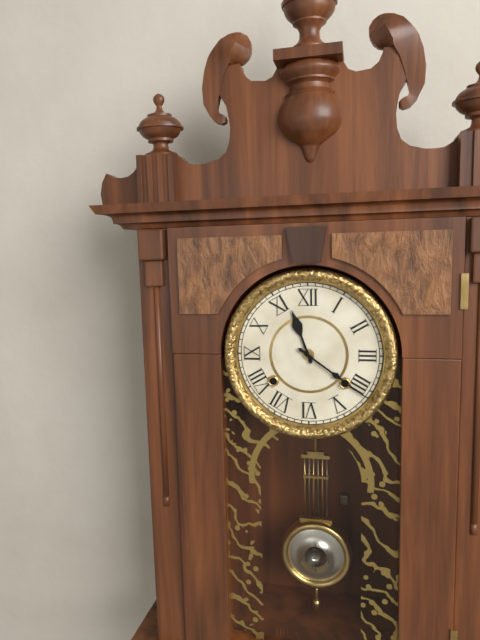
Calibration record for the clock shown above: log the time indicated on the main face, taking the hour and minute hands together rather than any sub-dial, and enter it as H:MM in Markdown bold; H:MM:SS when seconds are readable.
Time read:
**11:21**
